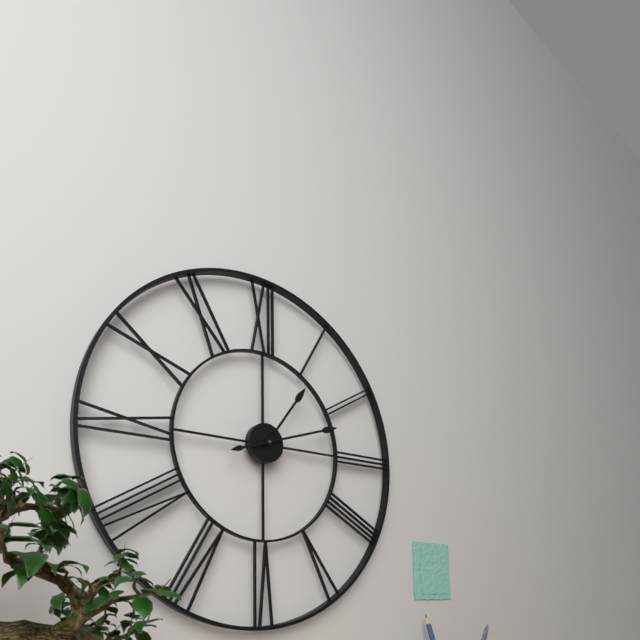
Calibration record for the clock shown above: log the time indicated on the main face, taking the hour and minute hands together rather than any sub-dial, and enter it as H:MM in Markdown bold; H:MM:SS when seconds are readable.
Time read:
**1:12**
